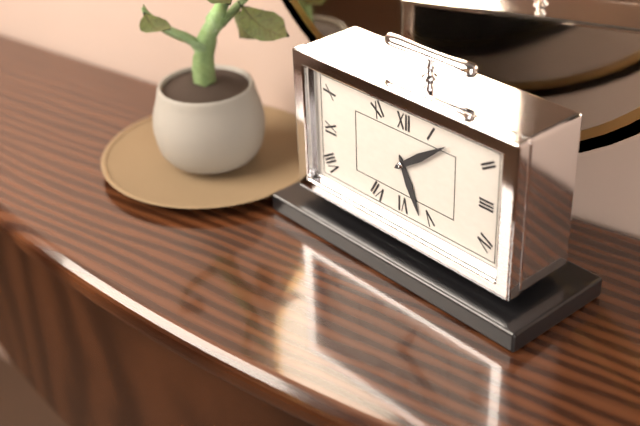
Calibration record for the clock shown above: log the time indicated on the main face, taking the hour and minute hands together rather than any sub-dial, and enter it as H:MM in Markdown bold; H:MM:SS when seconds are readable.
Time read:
**5:09**
